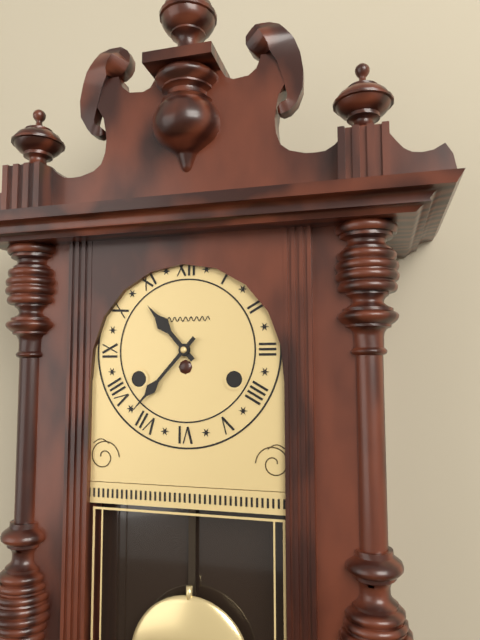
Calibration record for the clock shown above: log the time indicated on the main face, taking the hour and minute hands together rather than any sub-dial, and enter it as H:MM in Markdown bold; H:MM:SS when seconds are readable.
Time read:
**10:37**
